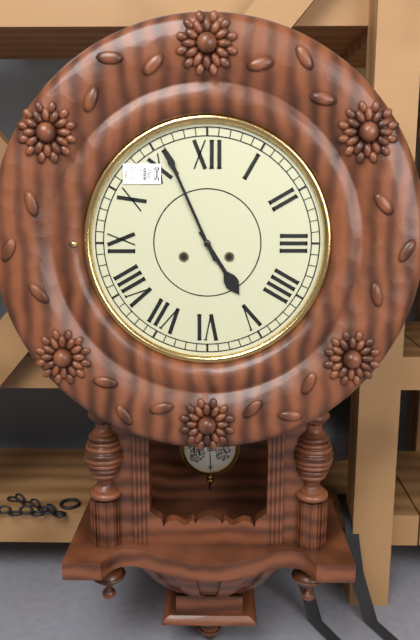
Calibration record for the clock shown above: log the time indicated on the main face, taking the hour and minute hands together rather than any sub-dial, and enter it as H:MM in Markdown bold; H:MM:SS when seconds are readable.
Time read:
**4:56**
